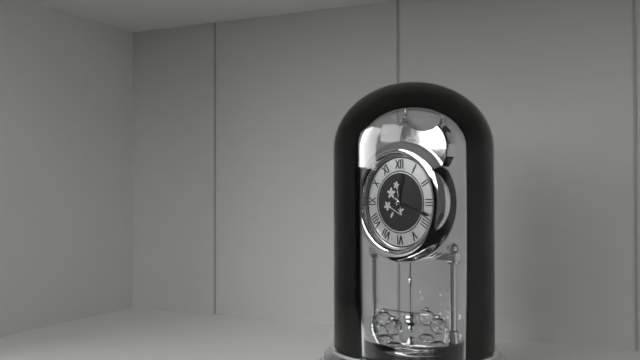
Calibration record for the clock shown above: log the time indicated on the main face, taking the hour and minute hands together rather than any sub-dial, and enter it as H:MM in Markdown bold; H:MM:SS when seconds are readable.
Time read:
**12:18**
